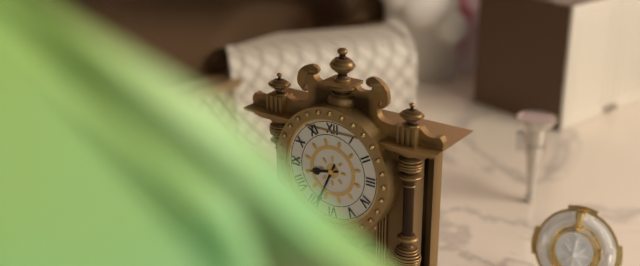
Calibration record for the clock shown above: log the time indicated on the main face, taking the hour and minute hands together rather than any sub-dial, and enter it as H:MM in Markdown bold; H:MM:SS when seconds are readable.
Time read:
**8:34**
